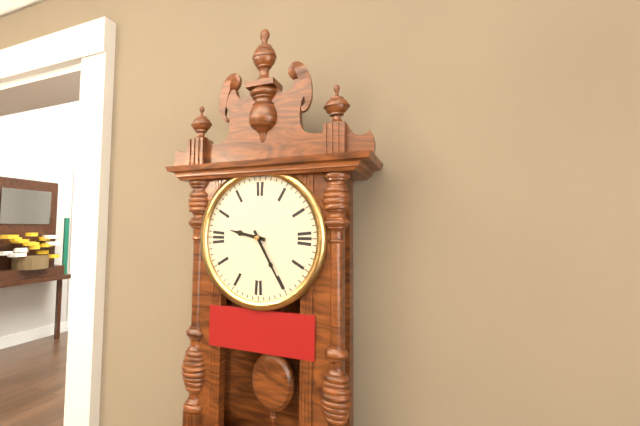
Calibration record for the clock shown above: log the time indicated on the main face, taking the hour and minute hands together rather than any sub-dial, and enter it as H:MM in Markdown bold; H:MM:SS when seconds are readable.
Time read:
**9:25**
